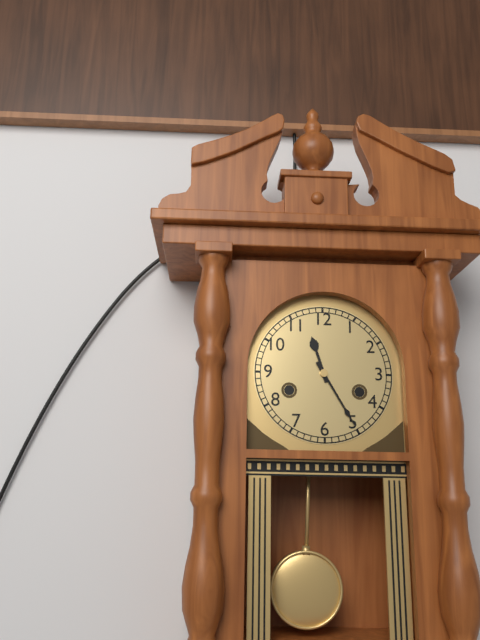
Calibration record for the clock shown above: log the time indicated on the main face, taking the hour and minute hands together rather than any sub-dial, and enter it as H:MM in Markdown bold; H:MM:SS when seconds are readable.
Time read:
**11:25**
